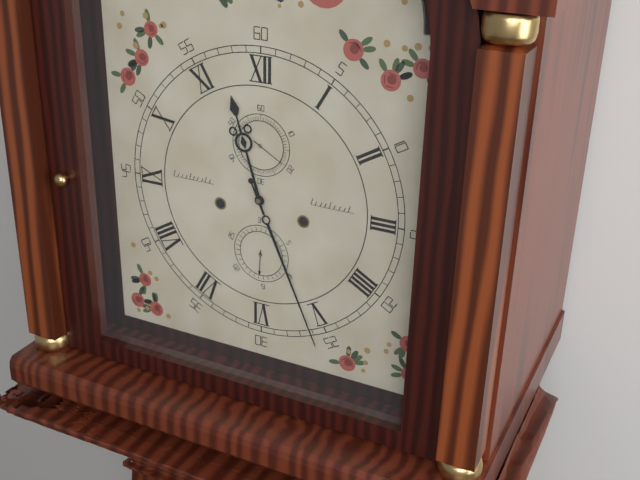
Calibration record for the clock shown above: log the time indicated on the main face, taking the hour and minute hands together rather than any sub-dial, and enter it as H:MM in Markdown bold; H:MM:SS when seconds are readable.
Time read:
**11:26**
